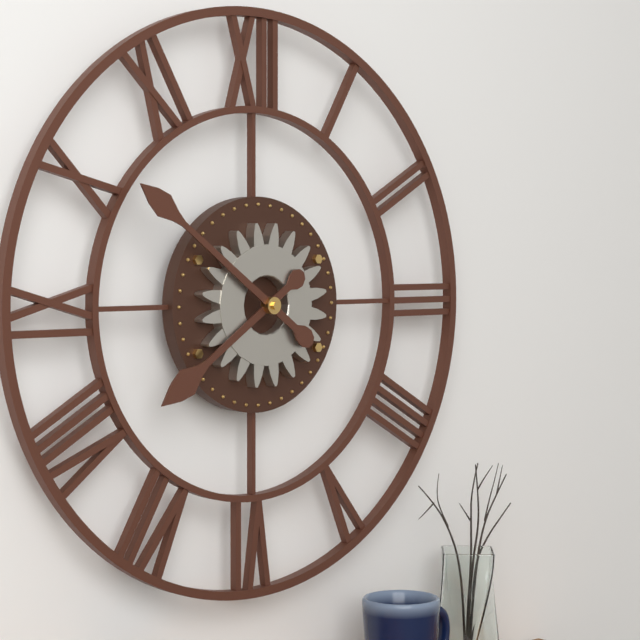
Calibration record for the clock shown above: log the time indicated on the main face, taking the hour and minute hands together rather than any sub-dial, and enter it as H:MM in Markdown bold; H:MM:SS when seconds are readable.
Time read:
**7:51**
